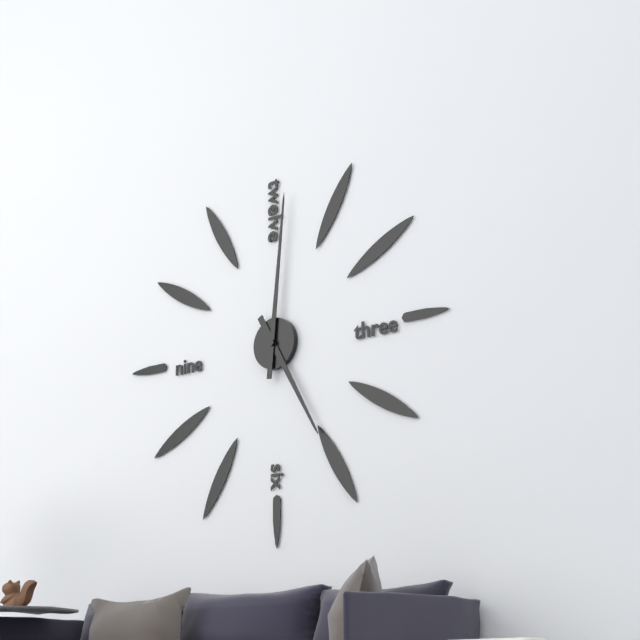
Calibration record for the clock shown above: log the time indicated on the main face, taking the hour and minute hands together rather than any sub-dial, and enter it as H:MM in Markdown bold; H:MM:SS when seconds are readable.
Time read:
**5:01**
